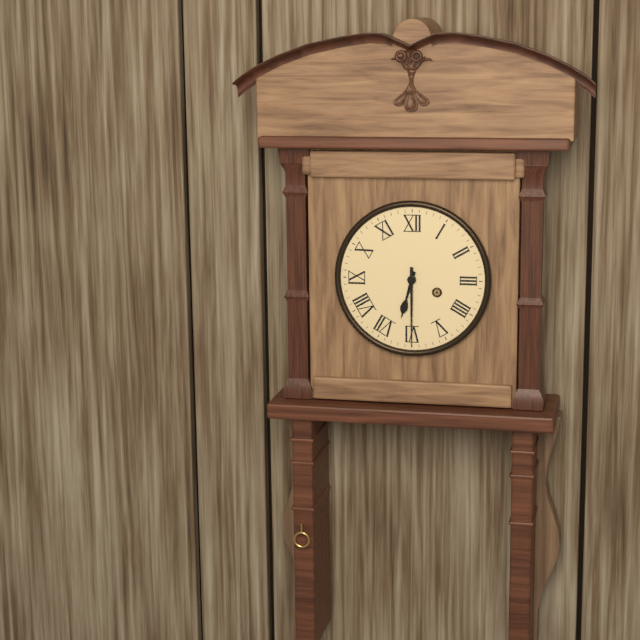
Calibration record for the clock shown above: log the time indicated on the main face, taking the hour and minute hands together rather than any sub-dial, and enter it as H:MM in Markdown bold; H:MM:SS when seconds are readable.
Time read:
**6:30**
